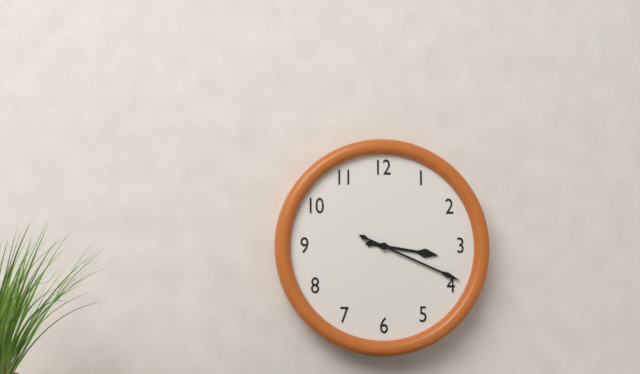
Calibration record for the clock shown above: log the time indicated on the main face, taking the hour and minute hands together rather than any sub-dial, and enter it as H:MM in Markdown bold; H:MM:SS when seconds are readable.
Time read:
**3:19**
